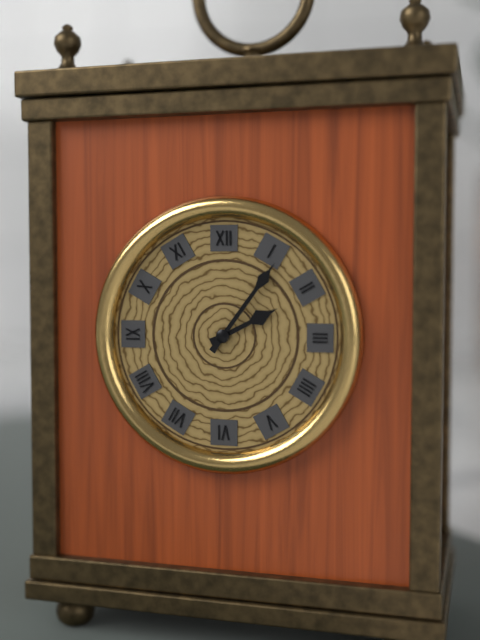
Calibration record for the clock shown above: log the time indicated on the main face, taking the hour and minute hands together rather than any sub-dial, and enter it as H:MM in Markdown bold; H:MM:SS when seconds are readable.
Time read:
**2:06**
